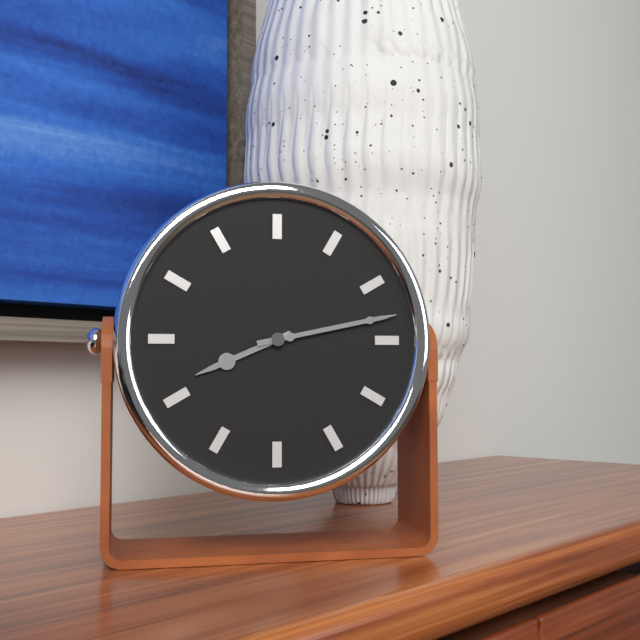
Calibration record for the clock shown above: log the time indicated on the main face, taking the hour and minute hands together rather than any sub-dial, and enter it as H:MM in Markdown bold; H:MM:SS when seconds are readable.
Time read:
**8:13**
